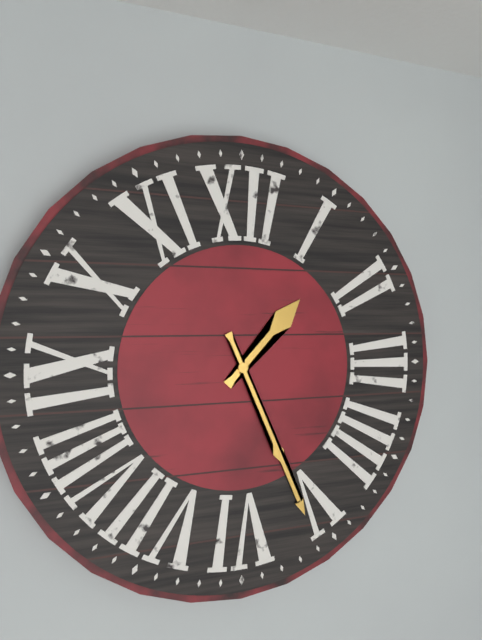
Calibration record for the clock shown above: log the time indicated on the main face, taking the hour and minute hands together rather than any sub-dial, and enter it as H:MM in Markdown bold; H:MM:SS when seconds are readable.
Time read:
**1:26**
